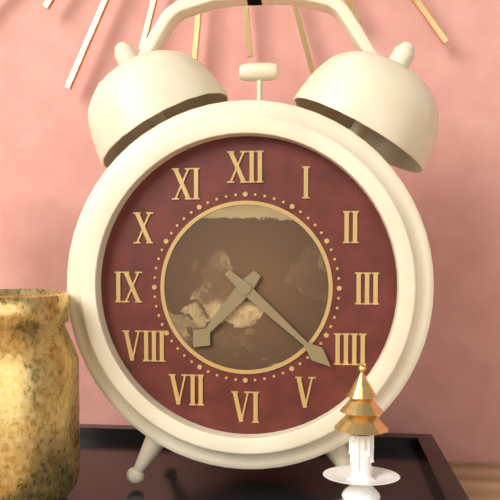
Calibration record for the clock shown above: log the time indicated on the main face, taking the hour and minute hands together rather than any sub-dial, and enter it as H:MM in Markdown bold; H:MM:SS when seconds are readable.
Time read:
**7:22**
